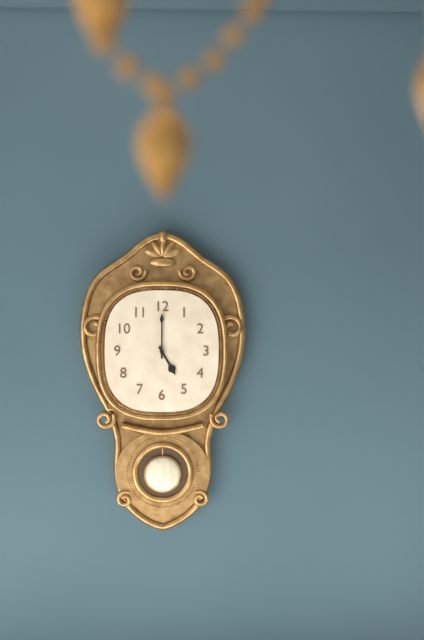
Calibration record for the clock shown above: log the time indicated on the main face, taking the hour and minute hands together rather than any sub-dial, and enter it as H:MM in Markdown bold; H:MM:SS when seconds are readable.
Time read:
**5:00**
